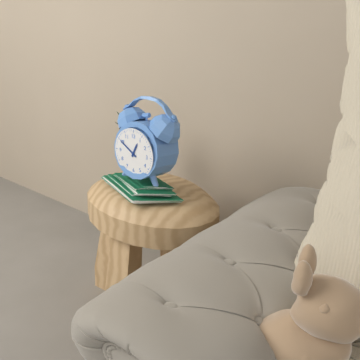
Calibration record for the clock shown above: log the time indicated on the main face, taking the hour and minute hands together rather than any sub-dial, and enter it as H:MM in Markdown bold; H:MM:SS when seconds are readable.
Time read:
**12:50**
